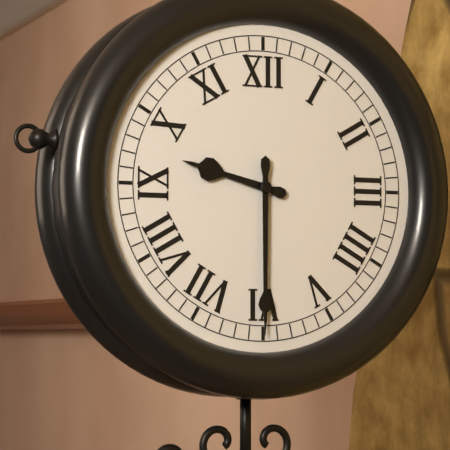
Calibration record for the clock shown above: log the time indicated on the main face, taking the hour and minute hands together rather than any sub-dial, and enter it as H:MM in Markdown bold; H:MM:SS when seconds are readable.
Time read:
**9:30**
